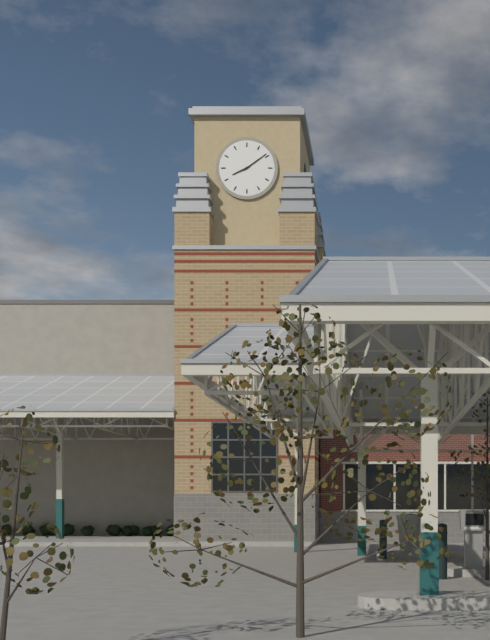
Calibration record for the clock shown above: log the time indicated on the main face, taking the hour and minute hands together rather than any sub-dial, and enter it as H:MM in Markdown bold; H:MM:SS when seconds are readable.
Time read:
**8:09**
